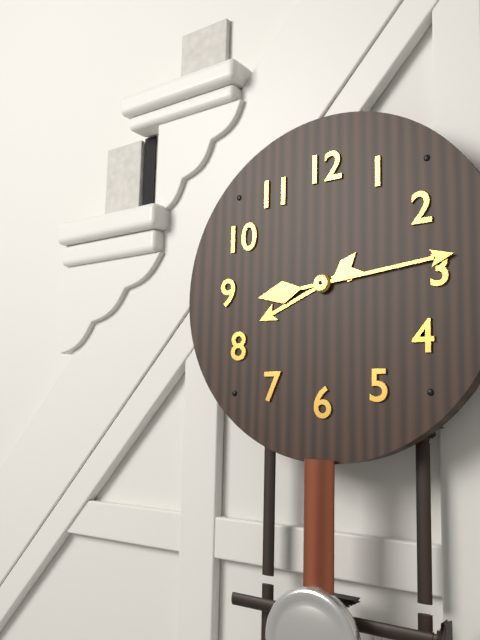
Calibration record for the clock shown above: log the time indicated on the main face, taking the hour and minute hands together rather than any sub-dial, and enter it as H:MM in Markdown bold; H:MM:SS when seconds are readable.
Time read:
**8:14**
